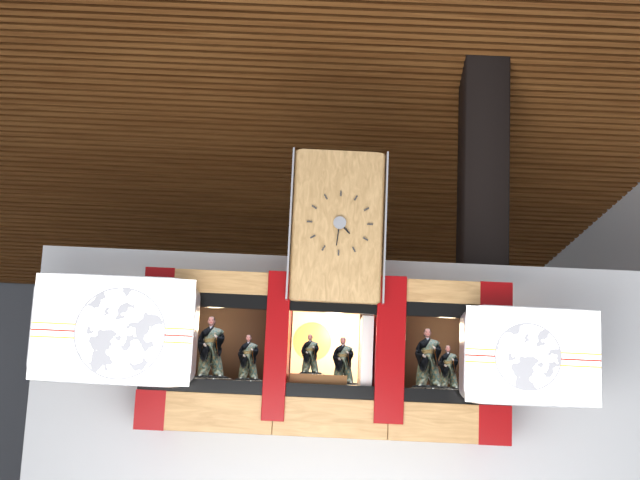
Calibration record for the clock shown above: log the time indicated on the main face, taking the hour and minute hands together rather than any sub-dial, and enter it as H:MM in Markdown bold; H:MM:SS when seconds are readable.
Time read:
**4:31**
